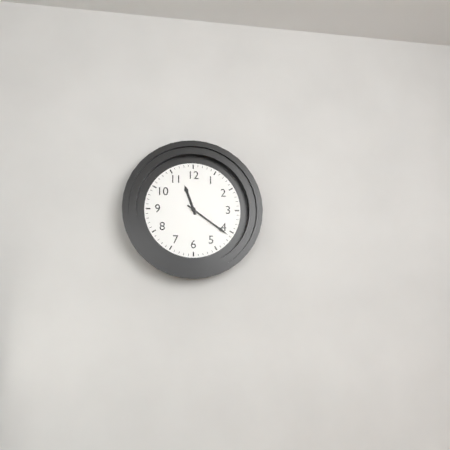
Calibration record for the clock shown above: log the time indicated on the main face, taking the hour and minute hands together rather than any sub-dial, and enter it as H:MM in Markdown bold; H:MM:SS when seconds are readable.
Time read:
**11:21**
